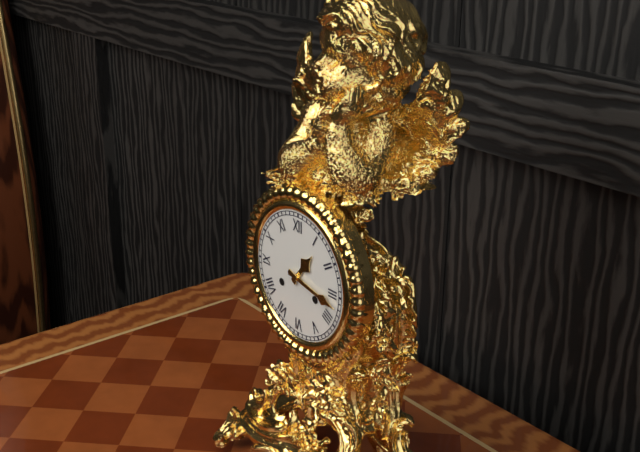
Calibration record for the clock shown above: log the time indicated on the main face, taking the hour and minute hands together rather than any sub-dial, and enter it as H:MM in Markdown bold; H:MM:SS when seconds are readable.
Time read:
**1:17**
